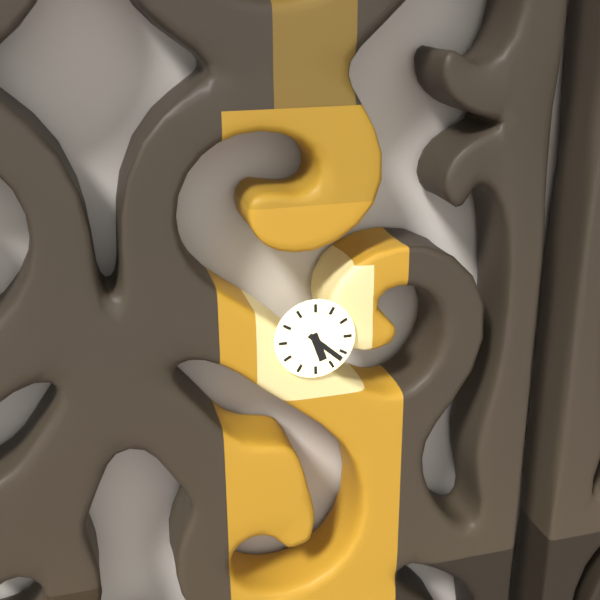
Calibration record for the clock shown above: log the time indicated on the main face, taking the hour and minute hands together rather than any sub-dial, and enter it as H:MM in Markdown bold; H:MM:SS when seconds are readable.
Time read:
**5:22**
